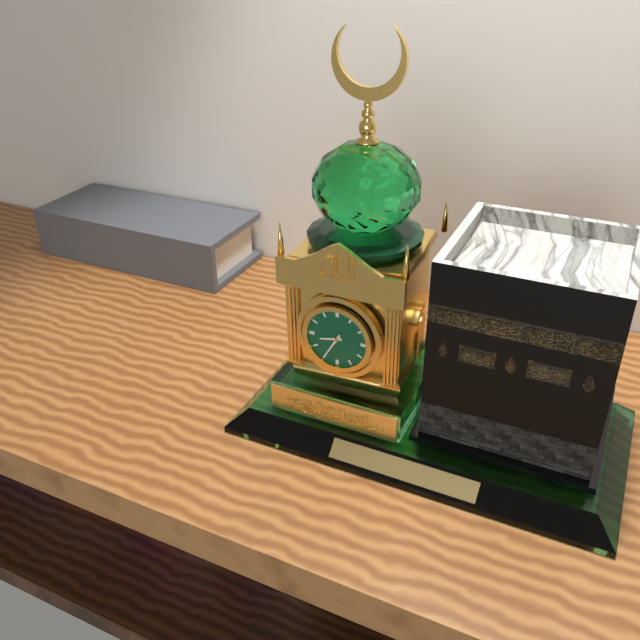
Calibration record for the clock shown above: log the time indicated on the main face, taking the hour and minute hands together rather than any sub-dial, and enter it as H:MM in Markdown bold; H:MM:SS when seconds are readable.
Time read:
**8:35**
